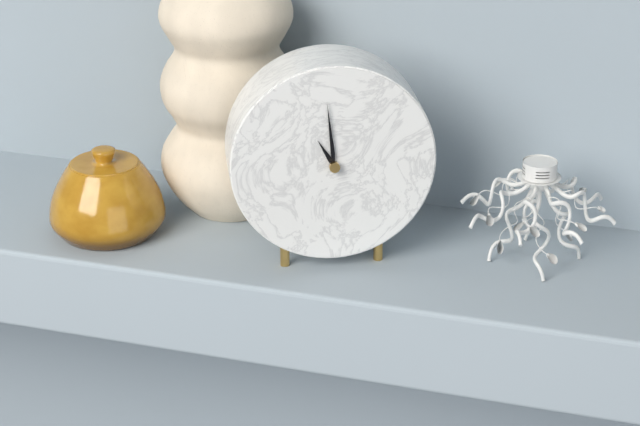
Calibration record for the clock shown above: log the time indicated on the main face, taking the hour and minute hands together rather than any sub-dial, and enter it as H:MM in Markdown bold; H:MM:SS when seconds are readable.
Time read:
**10:59**
